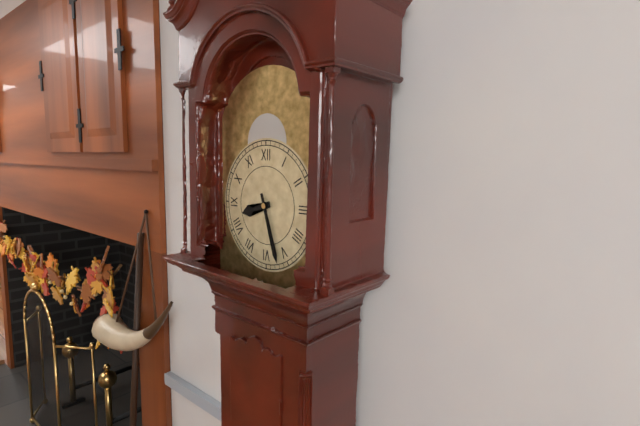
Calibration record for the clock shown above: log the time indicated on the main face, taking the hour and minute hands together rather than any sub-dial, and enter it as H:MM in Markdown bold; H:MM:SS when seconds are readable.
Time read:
**8:27**
